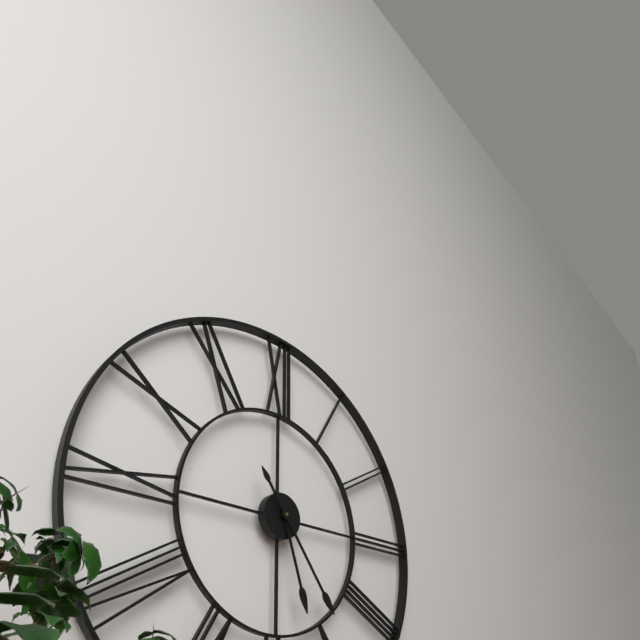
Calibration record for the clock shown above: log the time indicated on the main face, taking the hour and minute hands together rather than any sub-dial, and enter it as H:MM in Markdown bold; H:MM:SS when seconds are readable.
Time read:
**5:24**
